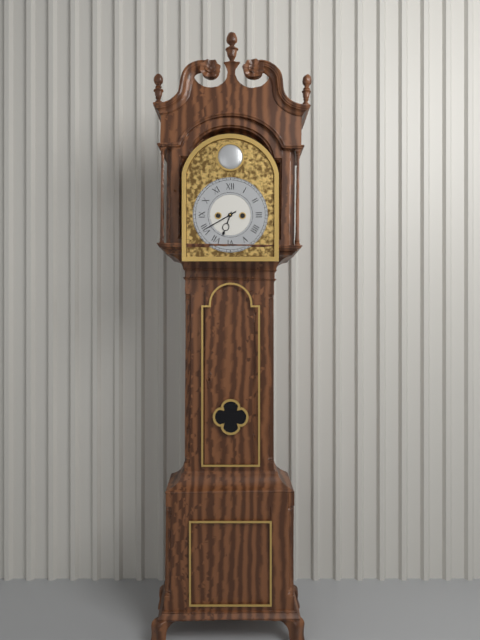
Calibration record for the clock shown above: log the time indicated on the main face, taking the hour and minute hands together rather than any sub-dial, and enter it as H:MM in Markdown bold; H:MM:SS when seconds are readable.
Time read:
**6:40**
